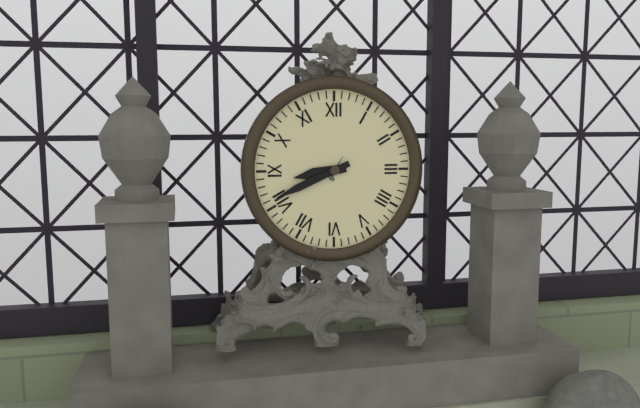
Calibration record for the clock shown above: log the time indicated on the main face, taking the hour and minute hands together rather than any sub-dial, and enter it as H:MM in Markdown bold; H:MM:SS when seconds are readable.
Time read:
**8:41**
